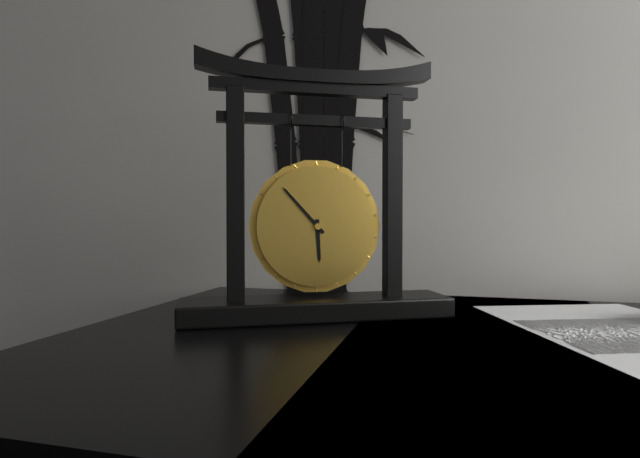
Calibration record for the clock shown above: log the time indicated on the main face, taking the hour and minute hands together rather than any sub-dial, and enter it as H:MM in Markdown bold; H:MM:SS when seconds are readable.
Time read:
**5:53**
